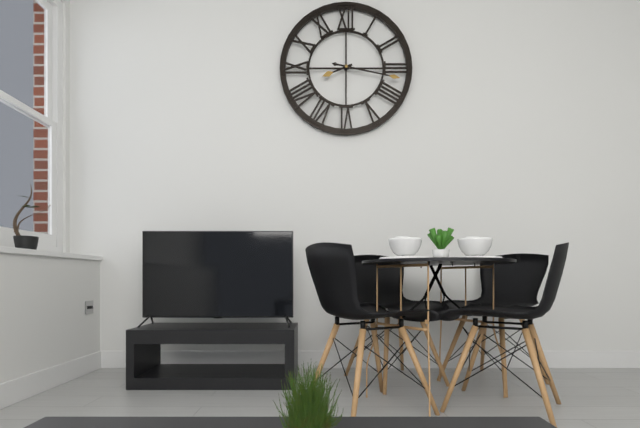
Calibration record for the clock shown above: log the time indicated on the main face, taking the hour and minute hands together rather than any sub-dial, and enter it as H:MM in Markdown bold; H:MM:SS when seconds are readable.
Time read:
**8:17**
